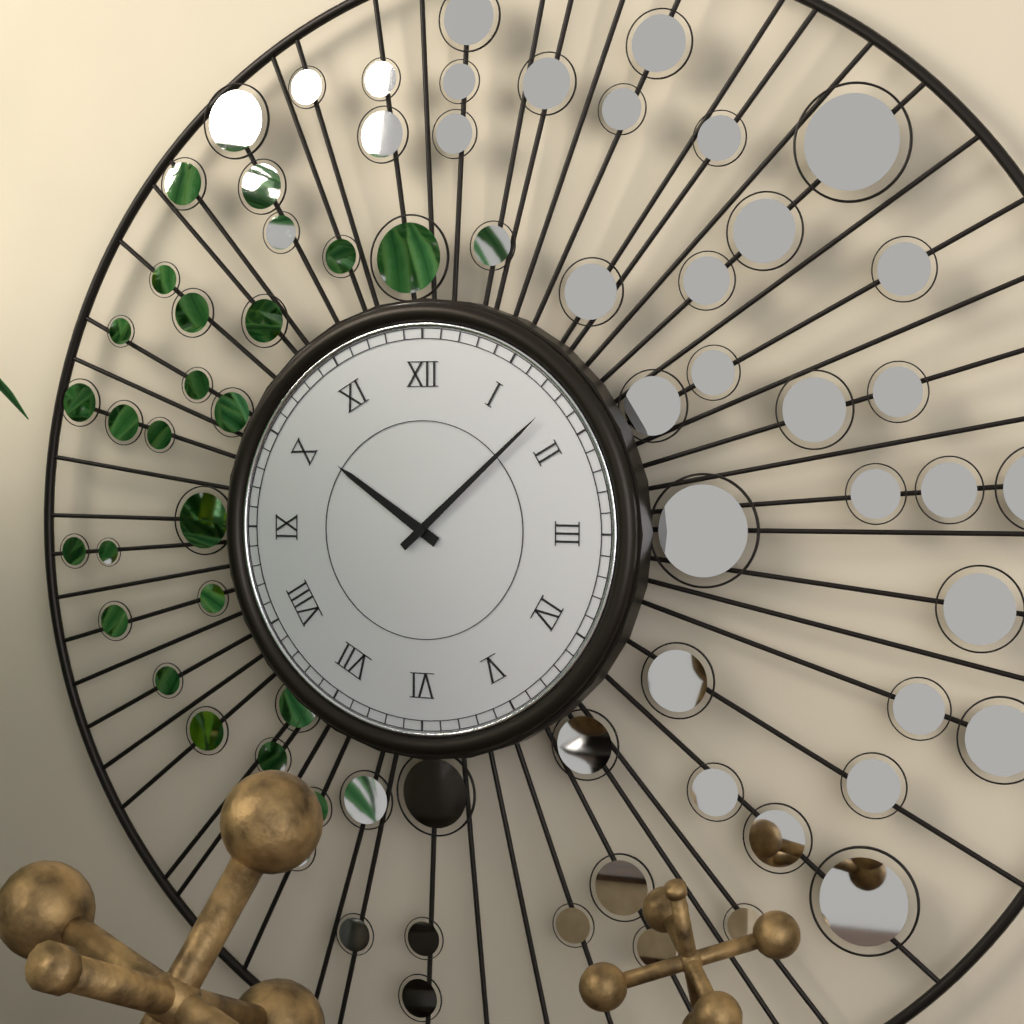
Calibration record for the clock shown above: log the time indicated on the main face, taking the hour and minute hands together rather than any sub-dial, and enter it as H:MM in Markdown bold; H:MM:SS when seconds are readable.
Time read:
**10:08**
